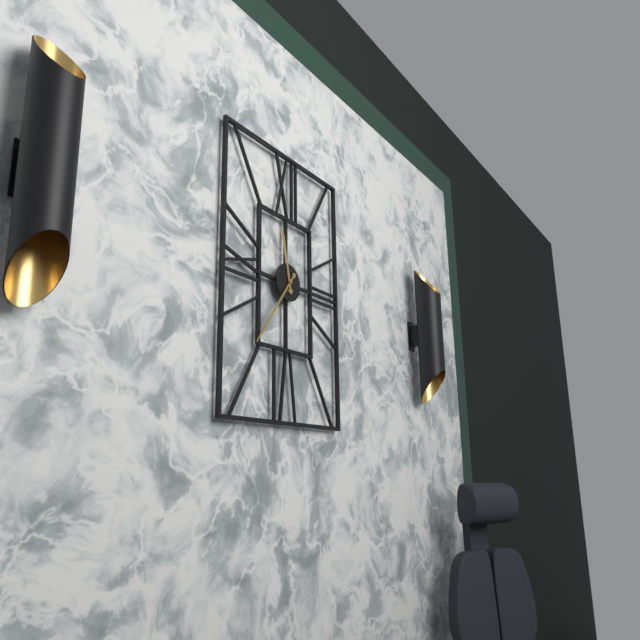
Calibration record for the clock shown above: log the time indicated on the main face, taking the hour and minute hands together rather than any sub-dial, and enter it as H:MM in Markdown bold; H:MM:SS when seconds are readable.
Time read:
**11:36**
